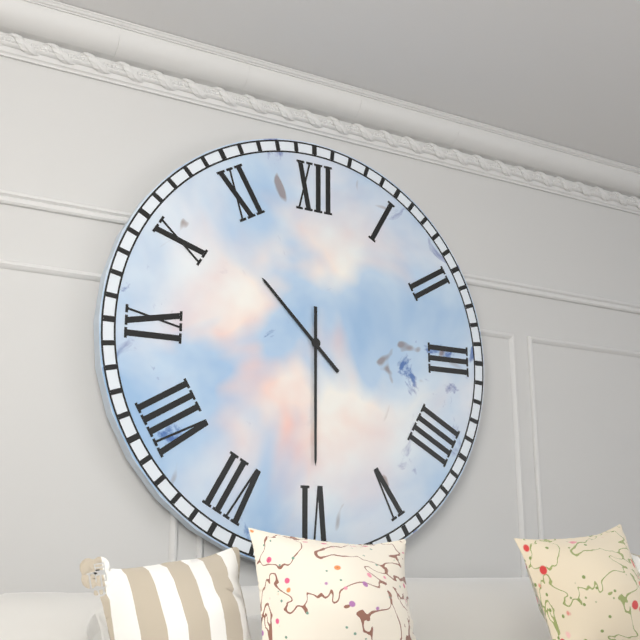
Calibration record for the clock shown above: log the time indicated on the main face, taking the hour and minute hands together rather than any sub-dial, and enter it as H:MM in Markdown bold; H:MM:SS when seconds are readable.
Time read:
**10:30**
